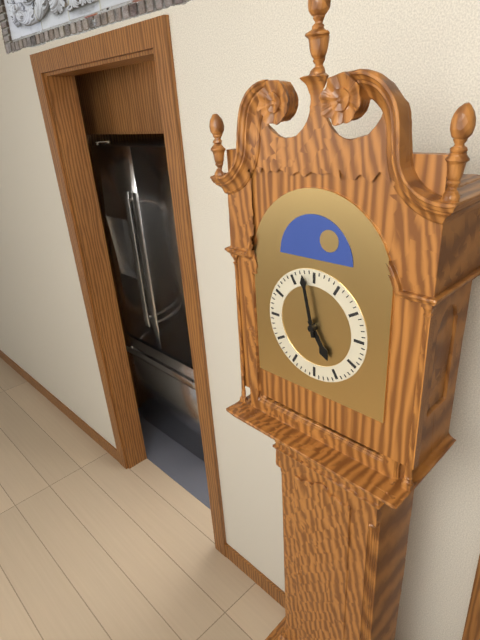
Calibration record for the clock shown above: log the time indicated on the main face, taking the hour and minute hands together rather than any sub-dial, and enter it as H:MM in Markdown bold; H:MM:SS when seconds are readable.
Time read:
**4:58**
